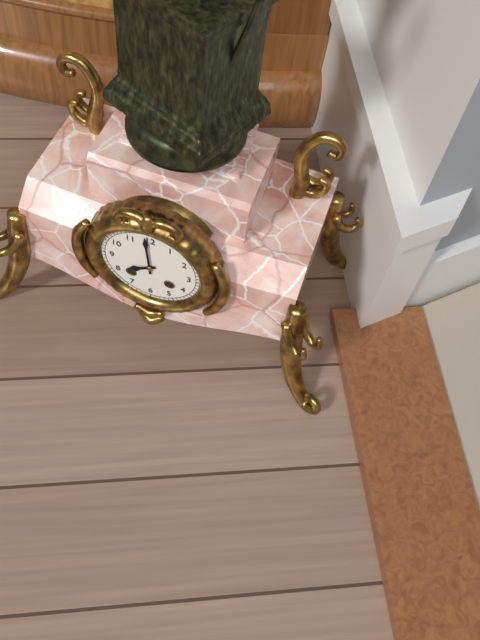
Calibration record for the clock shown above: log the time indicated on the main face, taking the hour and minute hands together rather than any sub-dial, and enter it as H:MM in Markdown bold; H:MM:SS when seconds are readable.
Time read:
**7:59**
